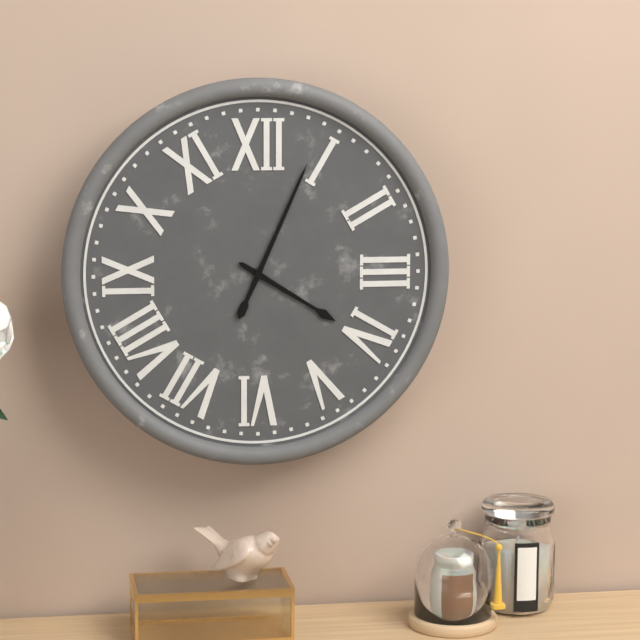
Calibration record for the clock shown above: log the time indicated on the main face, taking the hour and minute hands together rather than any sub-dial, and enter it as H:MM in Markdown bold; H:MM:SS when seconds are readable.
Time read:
**4:04**
